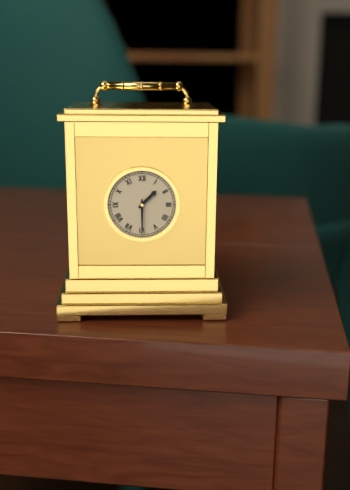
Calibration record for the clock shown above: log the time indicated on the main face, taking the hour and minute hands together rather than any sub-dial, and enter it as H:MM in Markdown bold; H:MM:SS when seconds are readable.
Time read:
**1:30**
